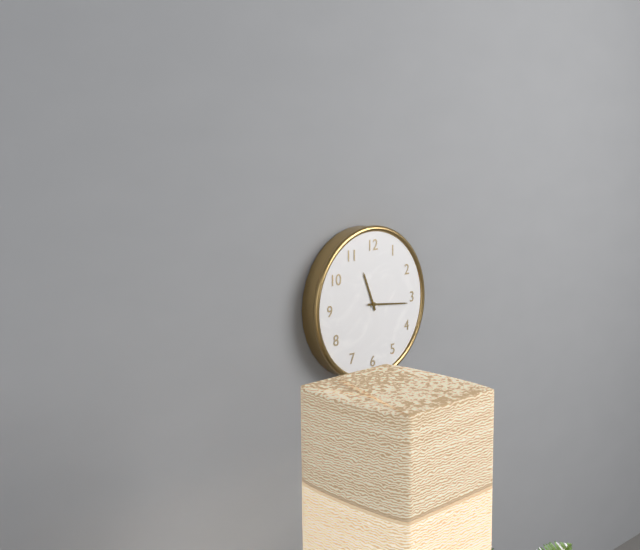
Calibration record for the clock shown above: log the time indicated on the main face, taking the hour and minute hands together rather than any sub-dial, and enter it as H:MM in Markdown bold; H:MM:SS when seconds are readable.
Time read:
**11:16**
